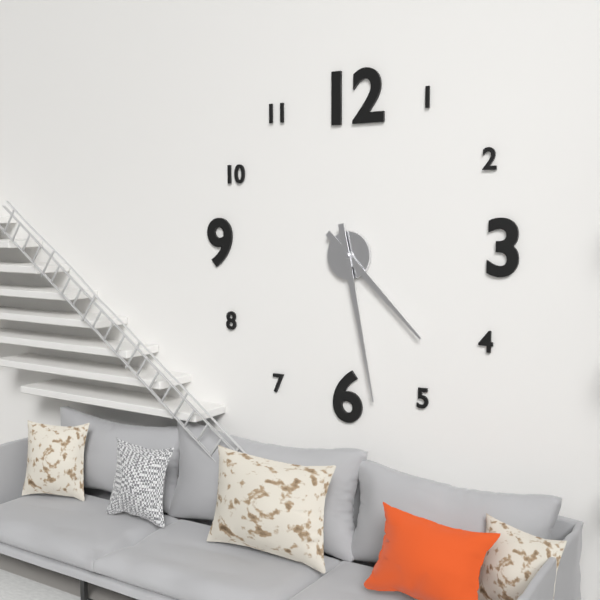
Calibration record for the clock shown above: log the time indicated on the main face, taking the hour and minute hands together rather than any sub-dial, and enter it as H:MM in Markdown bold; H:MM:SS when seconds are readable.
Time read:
**4:28**
